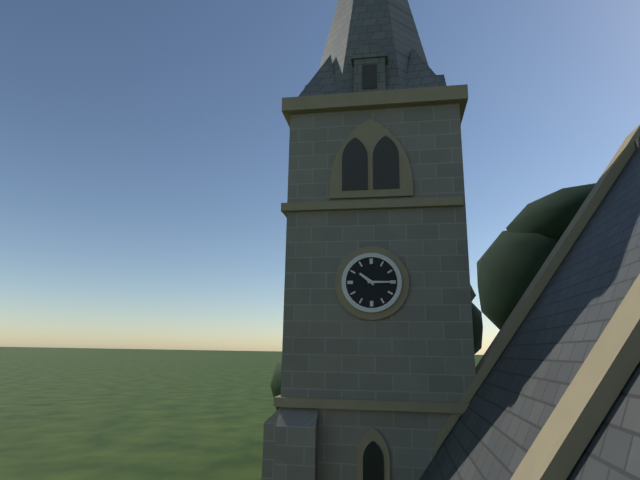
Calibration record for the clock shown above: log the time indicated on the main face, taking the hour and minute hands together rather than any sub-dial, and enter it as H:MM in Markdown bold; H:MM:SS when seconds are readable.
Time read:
**10:15**
